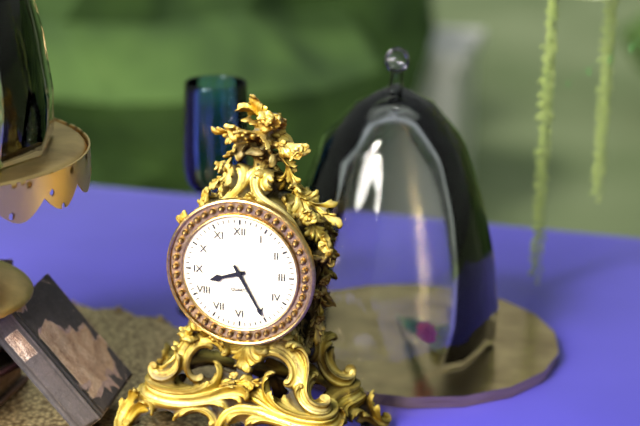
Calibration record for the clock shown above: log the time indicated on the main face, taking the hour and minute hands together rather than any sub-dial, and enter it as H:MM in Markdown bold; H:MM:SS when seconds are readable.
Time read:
**8:25**
